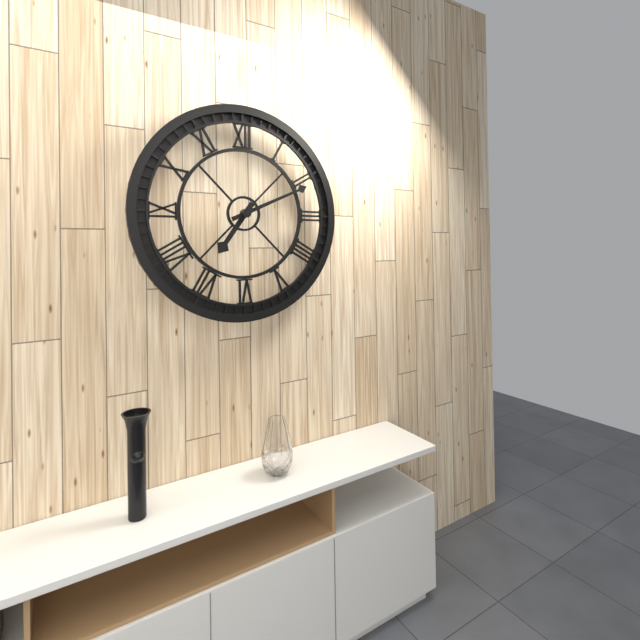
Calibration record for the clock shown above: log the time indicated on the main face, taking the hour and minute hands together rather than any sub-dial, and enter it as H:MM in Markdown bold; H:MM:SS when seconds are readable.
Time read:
**7:11**
